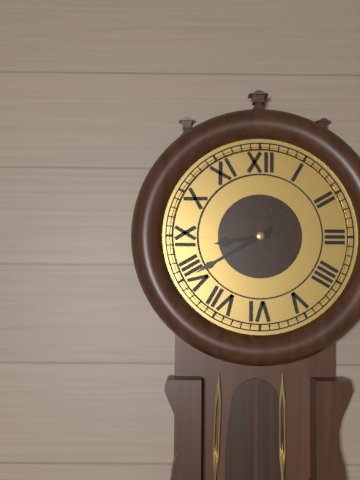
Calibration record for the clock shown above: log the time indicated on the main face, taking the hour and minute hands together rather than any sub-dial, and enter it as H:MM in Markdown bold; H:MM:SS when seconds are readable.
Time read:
**8:40**
